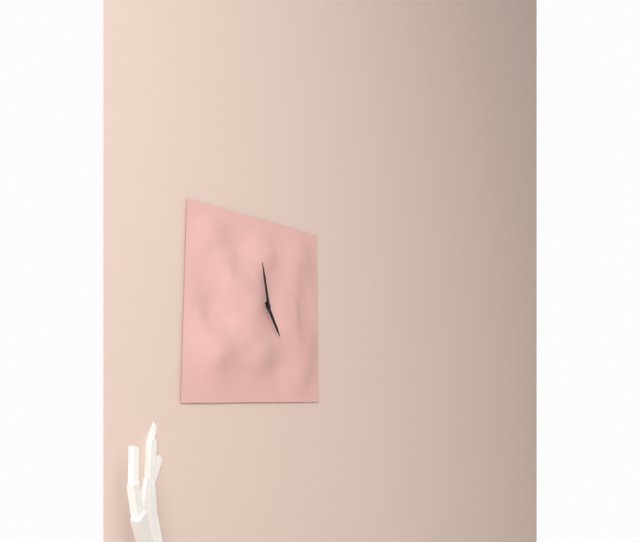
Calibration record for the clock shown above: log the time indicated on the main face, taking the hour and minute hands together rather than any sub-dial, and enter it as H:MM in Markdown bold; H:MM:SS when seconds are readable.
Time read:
**4:58**
